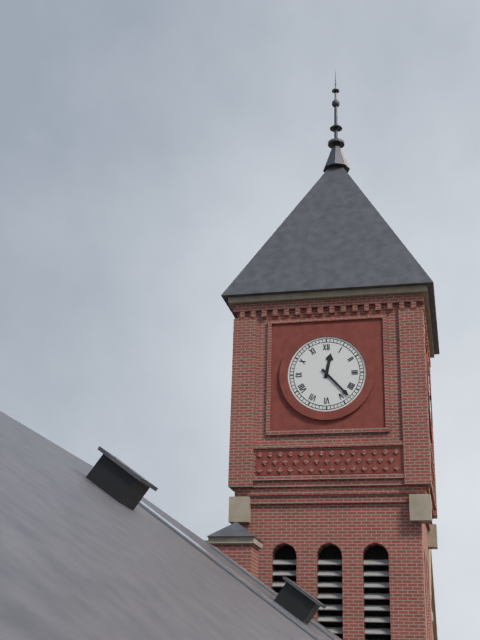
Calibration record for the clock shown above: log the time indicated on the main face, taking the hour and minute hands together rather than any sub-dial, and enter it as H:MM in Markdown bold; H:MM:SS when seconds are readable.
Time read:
**12:23**
